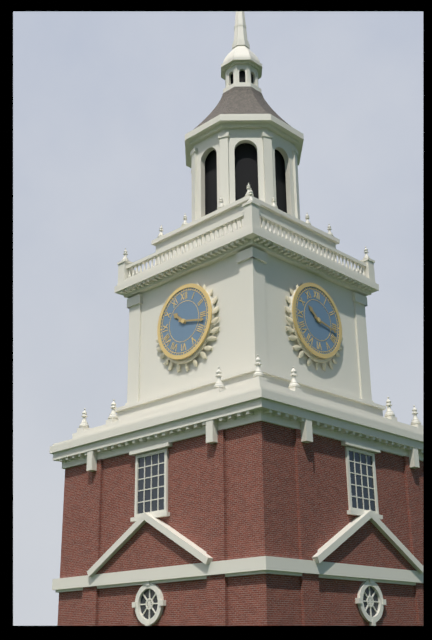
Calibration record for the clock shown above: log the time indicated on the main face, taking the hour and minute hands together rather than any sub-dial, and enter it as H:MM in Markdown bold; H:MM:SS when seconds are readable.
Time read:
**10:17**
